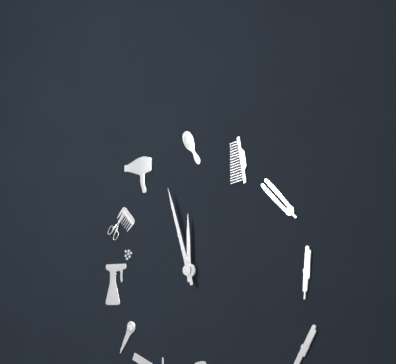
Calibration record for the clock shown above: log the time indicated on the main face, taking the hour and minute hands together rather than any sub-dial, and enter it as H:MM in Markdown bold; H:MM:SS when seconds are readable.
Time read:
**11:57**
